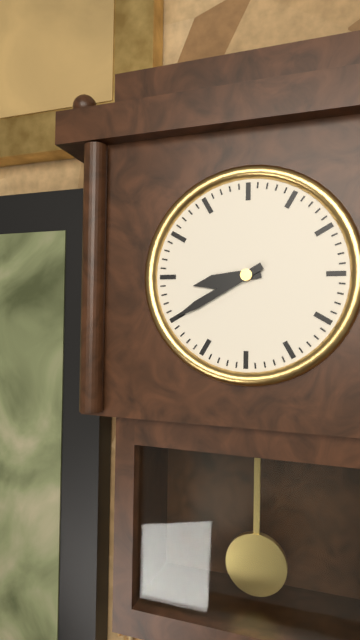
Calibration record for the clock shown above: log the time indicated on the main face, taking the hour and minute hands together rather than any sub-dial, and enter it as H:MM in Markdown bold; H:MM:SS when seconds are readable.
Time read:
**8:40**
